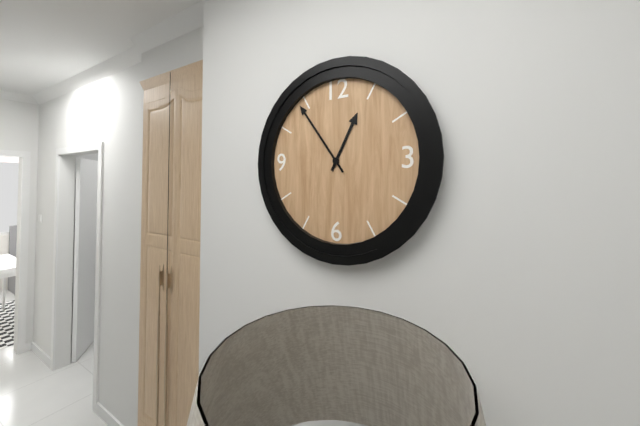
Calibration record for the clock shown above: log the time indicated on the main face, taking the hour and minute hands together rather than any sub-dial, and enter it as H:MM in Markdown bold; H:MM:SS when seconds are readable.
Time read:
**12:54**
